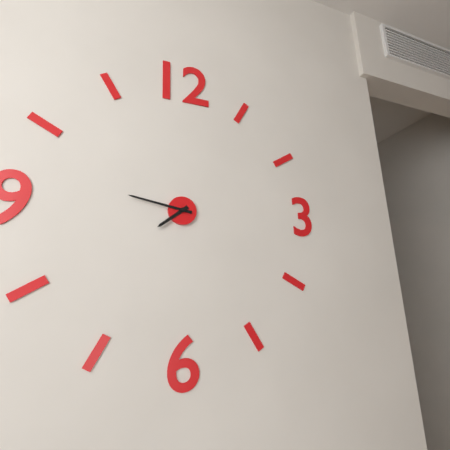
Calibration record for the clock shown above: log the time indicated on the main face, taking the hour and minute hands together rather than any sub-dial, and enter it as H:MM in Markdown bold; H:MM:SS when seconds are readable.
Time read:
**7:47**
